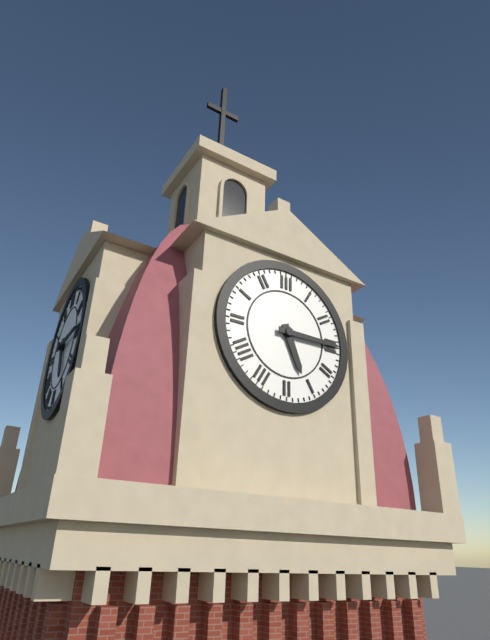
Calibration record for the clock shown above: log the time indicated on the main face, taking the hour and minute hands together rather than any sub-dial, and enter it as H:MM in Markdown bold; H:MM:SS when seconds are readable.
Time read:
**5:15**
